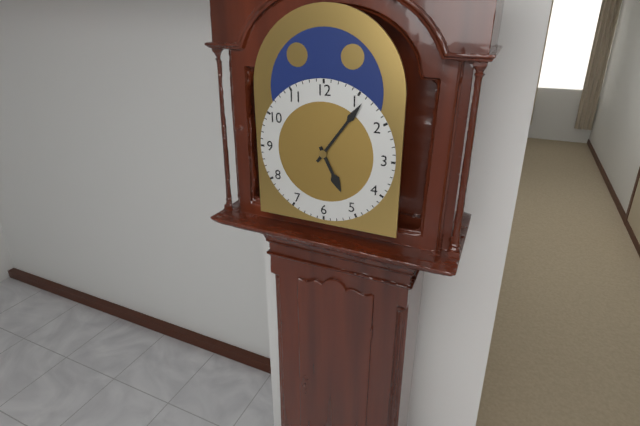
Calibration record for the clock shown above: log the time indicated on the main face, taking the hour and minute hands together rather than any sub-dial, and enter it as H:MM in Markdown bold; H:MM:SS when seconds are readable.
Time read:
**5:06**
